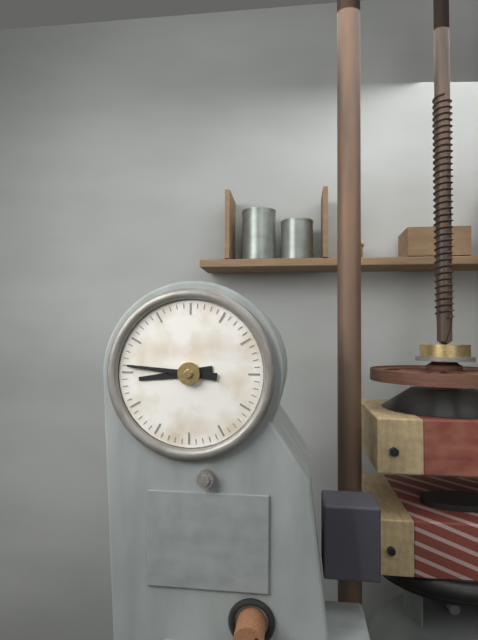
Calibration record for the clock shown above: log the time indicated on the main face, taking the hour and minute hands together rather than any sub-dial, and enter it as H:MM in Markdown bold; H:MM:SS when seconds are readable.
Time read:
**8:46**
